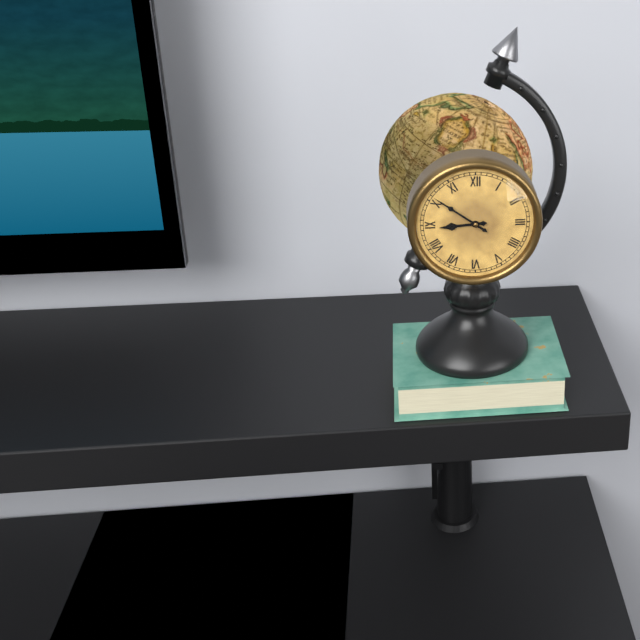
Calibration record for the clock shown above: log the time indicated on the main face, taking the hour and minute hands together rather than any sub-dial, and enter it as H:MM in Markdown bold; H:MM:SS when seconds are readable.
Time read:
**8:51**
